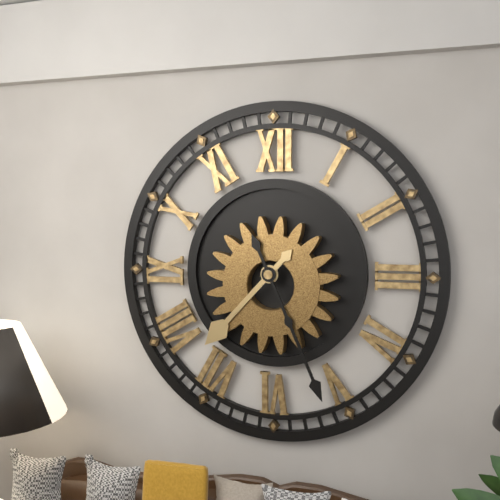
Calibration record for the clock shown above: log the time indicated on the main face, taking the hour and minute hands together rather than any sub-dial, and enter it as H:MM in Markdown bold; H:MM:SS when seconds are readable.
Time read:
**7:26**
